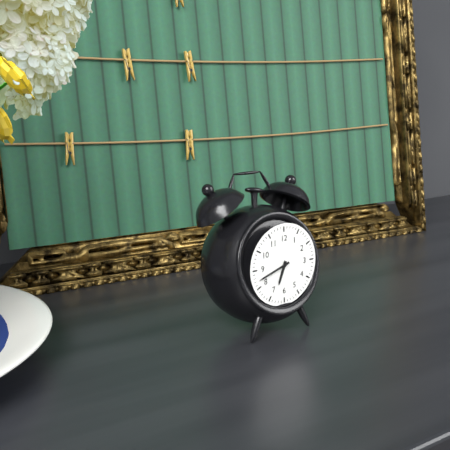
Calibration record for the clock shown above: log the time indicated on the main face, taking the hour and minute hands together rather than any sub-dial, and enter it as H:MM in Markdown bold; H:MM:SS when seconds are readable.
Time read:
**6:42**
